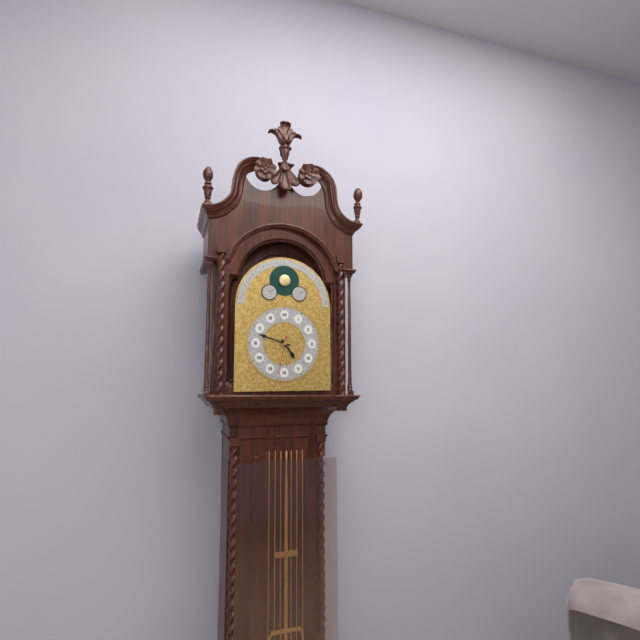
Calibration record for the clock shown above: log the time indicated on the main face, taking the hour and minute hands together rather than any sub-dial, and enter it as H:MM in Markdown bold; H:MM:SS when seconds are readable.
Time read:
**4:48**
